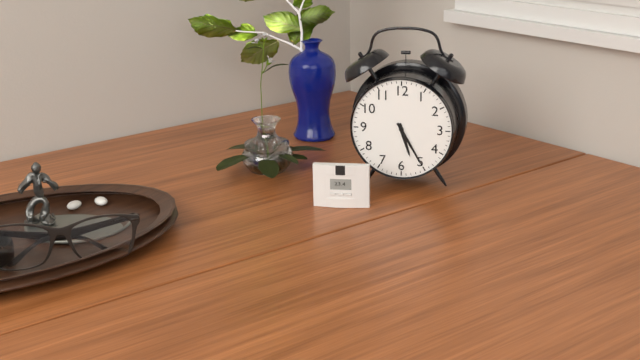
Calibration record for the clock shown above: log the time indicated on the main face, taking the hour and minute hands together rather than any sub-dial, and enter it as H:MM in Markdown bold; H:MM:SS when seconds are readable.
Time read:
**5:25**
